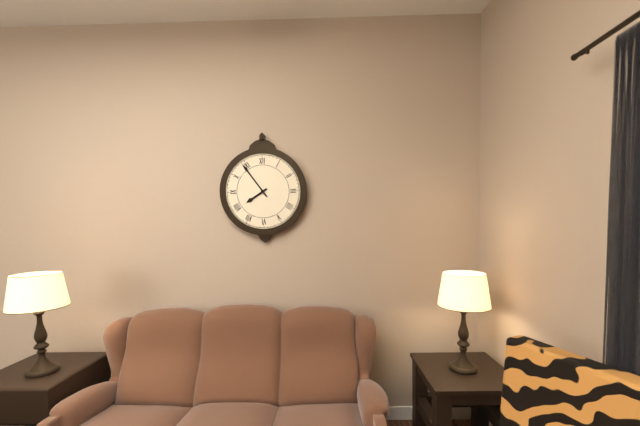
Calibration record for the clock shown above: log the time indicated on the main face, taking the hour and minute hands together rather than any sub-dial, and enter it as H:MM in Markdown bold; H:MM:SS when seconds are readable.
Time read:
**7:54**
